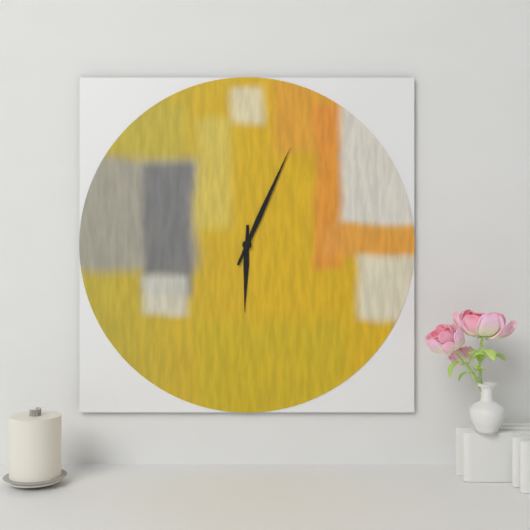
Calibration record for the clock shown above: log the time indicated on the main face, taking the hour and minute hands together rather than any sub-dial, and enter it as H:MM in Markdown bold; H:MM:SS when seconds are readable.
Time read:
**6:04**
